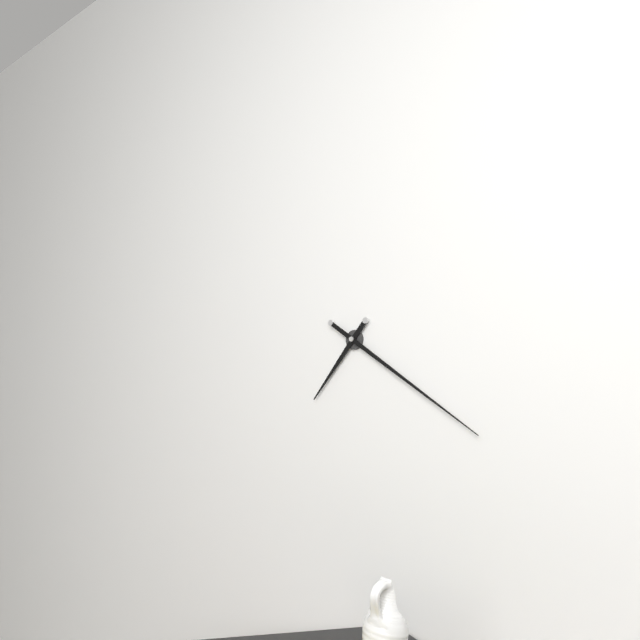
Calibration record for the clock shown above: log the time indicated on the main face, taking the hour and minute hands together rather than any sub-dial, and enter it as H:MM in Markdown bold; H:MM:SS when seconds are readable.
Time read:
**7:21**
